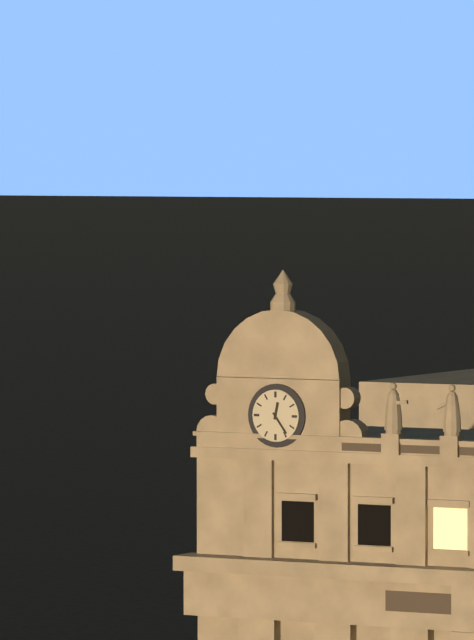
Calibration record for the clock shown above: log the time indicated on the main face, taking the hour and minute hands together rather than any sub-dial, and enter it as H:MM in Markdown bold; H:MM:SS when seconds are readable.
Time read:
**12:24**
